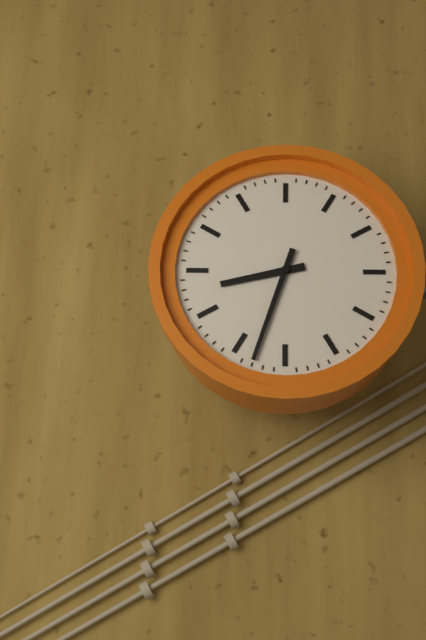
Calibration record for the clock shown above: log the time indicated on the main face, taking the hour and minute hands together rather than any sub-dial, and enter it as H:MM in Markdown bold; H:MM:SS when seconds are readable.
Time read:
**8:33**
